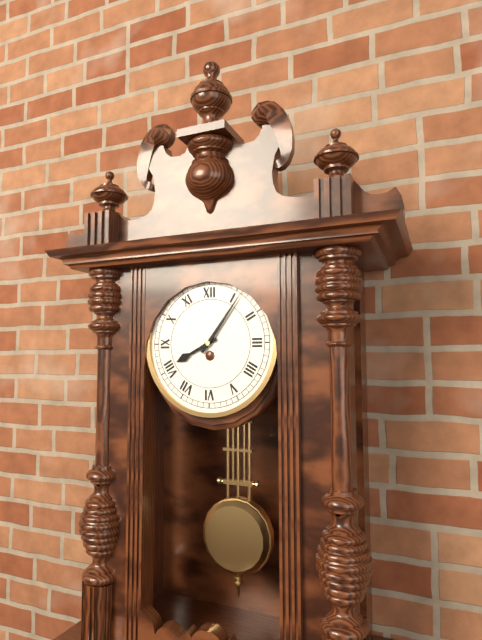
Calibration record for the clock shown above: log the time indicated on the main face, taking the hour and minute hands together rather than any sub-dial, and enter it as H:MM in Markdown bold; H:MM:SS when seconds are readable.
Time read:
**8:06**
